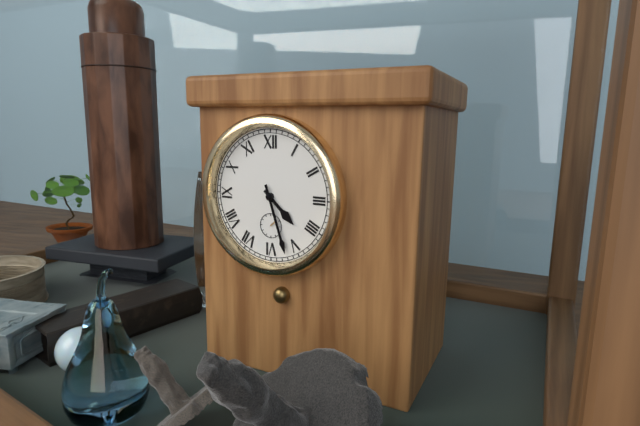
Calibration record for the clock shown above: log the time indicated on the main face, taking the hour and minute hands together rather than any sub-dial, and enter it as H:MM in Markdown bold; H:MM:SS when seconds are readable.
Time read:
**4:27**
